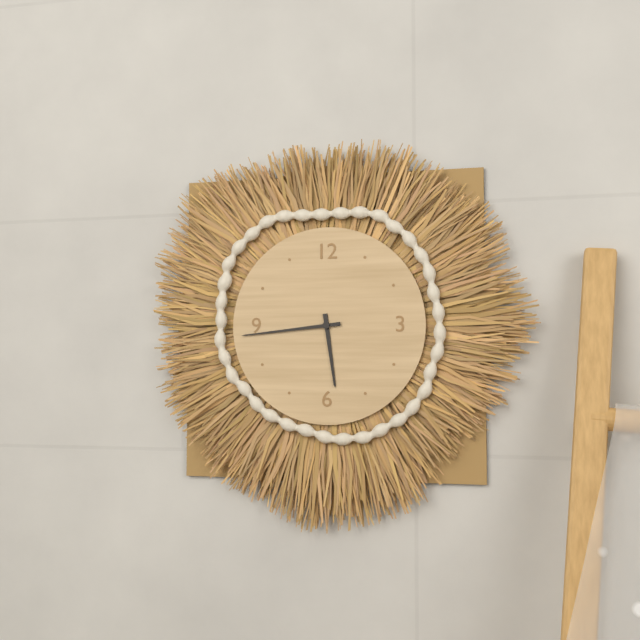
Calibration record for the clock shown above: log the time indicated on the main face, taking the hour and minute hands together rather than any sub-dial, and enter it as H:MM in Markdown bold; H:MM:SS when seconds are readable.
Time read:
**5:44**
